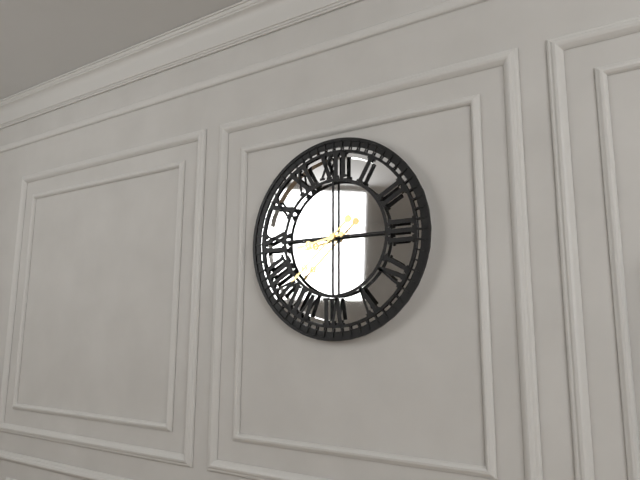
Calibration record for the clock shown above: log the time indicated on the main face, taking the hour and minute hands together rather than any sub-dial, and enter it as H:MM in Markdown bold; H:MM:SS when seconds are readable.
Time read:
**8:38**
